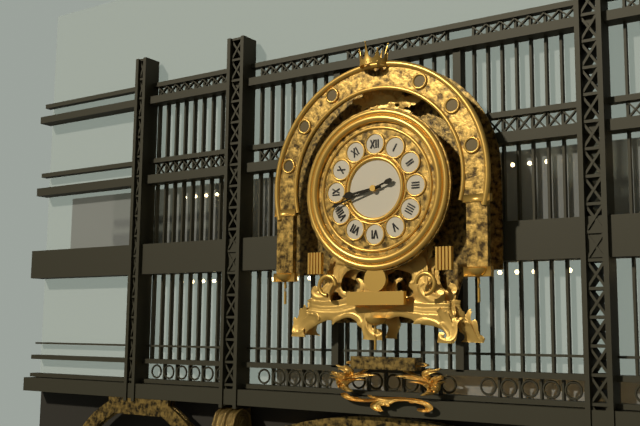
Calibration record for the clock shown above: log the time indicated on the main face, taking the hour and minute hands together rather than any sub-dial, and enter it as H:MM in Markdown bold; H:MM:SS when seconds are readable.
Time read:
**8:42**
